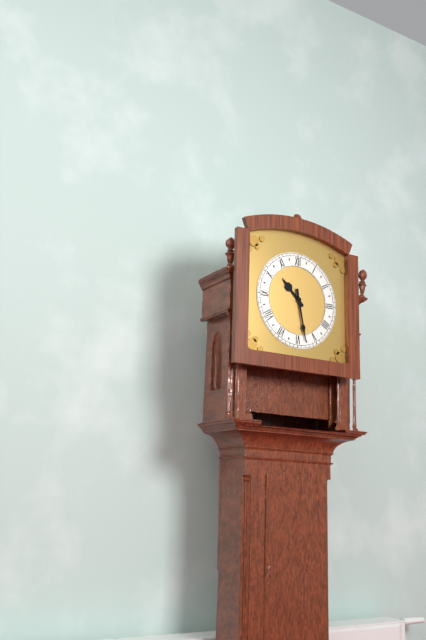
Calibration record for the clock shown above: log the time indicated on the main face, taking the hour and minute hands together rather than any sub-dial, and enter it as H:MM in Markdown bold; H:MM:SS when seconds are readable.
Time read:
**10:28**
